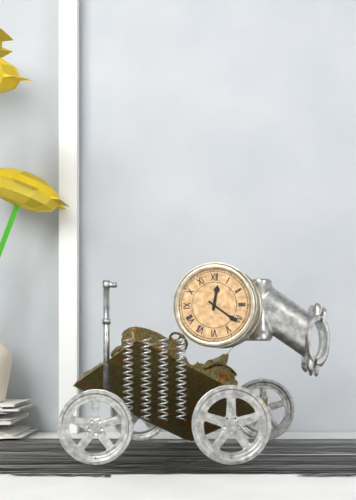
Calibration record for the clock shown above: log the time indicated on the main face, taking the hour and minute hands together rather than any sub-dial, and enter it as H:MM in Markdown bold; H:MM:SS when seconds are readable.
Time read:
**12:21**
